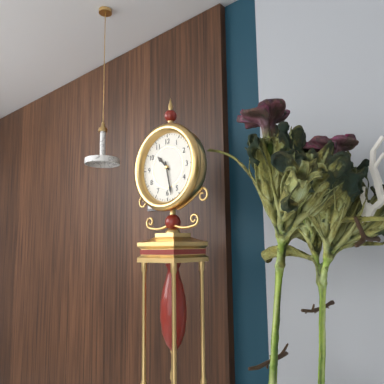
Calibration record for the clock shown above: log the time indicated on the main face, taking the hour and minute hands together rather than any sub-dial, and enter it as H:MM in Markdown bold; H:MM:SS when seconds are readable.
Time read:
**10:28**
